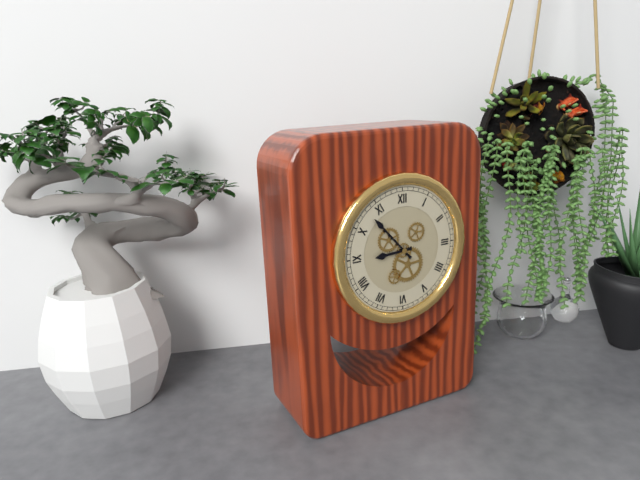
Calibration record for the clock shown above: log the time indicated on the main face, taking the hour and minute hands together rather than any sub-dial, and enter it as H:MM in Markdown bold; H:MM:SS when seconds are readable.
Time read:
**8:53**
